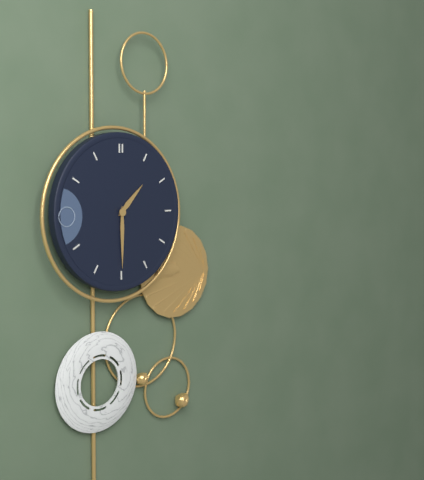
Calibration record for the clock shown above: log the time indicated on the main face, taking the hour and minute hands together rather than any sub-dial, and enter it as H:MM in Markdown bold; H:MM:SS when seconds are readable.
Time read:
**1:30**
